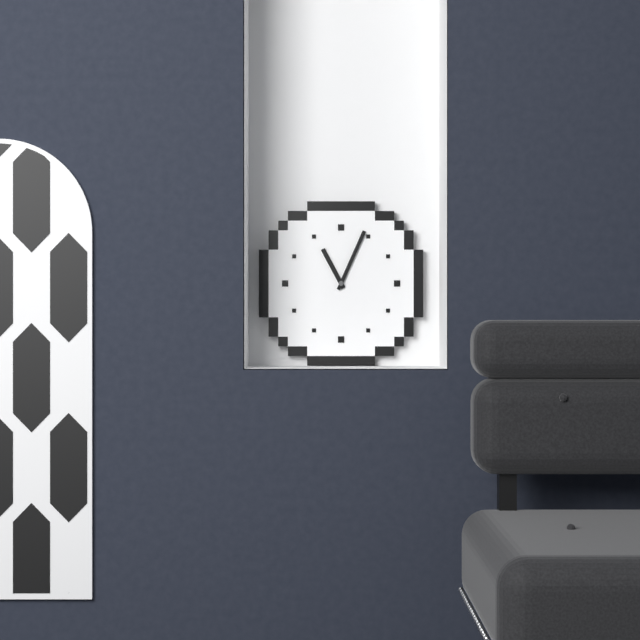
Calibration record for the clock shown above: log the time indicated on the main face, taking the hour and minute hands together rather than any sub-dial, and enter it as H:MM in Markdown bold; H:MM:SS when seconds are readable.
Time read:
**11:04**
